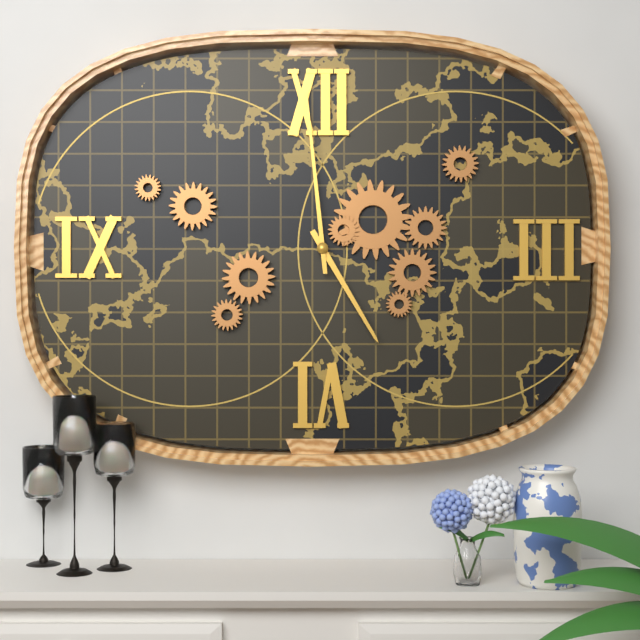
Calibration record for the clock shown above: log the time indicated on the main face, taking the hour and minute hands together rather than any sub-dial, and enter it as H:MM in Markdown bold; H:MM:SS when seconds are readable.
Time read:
**4:59**
